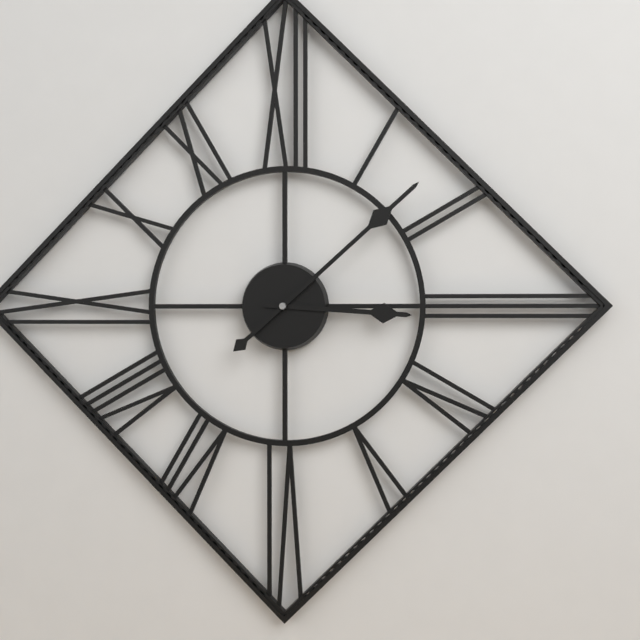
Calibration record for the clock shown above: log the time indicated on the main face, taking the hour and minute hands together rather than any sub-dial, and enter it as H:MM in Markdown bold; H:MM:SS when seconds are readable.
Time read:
**3:08**
